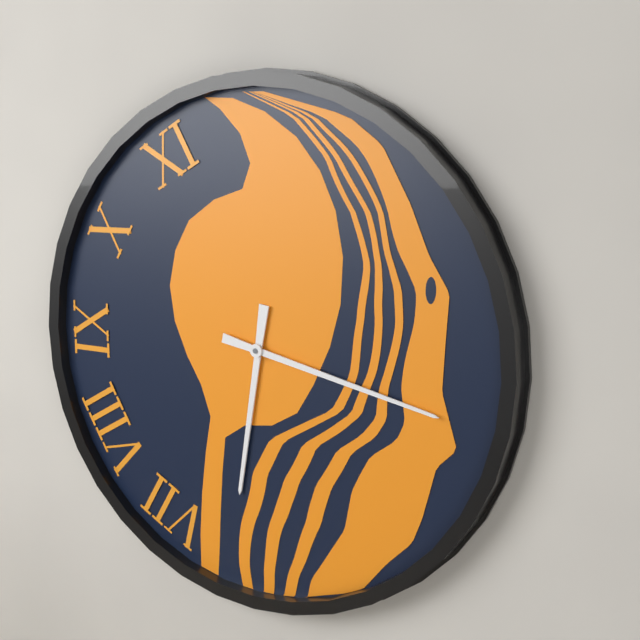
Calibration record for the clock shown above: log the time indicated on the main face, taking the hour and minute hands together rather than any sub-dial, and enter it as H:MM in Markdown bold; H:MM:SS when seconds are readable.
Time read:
**6:17**
